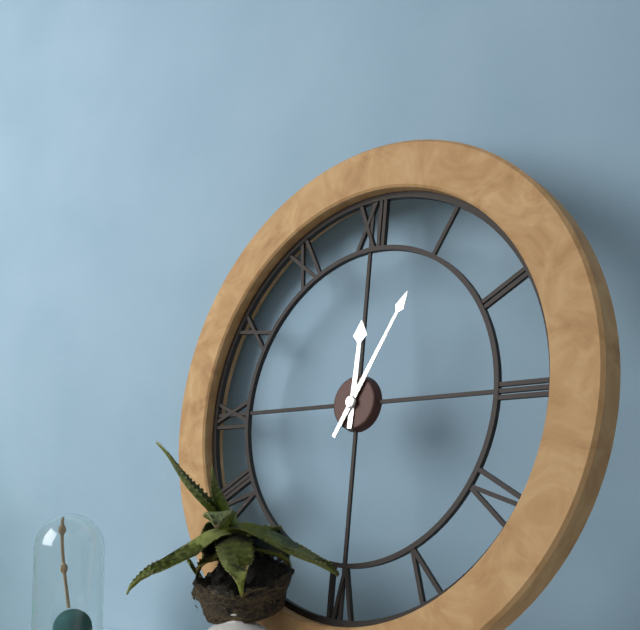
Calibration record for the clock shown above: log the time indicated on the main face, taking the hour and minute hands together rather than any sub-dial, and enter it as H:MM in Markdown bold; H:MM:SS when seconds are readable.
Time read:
**12:05**
